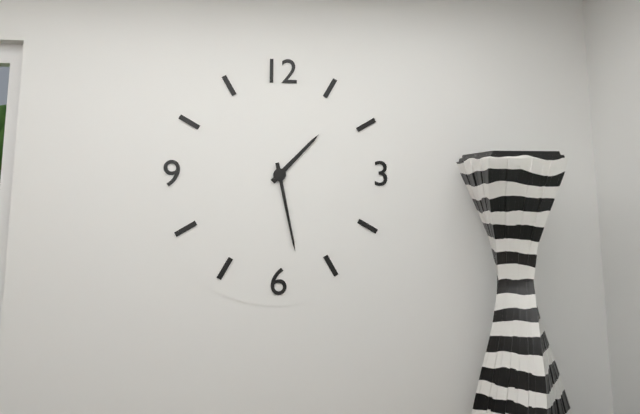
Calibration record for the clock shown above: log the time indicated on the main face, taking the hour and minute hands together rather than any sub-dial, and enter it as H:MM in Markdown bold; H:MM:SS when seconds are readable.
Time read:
**1:28**
